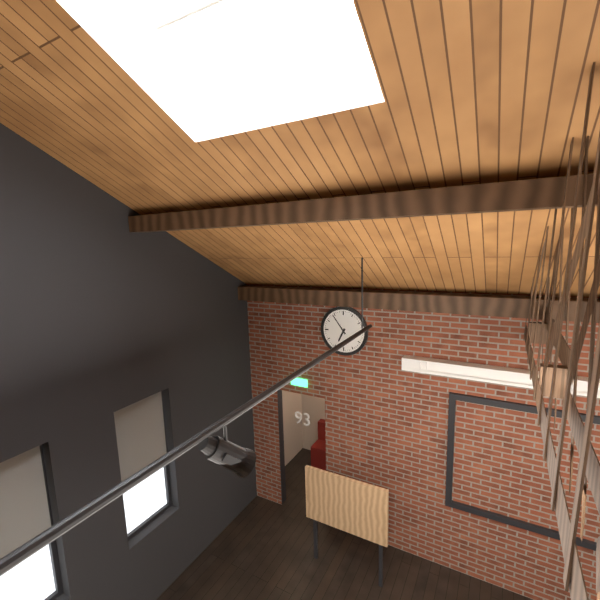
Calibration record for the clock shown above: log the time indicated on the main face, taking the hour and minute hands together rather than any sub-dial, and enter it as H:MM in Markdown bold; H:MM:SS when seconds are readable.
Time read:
**6:54**
